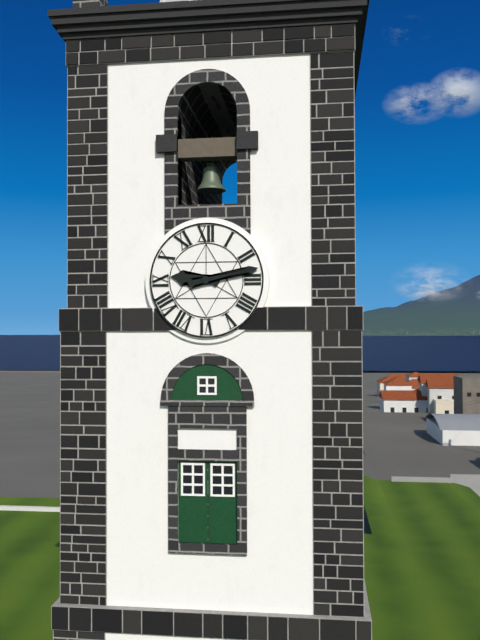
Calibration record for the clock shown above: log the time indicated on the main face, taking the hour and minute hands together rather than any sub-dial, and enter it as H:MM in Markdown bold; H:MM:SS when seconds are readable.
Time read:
**9:13**
